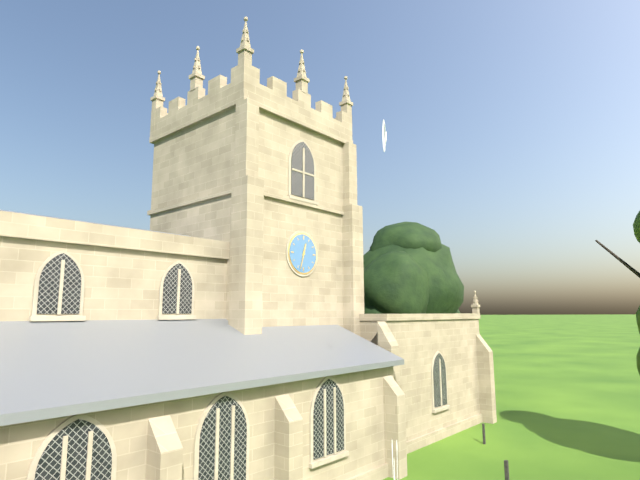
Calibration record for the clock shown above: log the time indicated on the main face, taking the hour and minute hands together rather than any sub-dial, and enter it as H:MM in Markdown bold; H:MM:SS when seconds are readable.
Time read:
**12:33**
